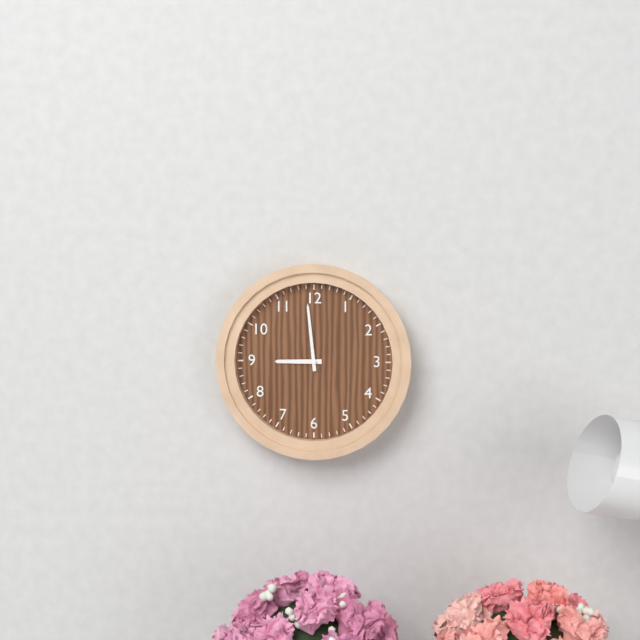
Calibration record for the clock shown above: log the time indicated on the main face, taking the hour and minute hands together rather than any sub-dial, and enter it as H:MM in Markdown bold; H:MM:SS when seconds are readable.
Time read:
**8:59**
